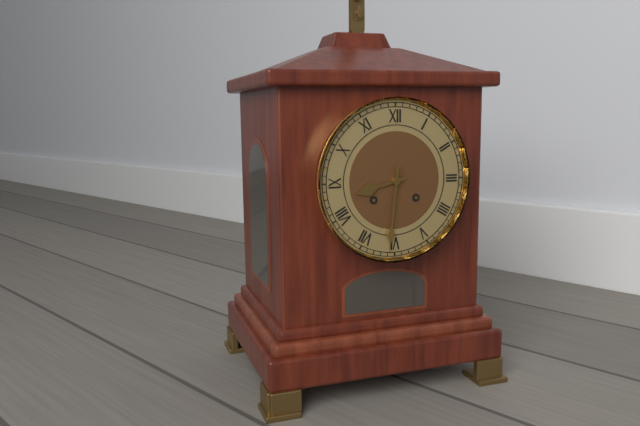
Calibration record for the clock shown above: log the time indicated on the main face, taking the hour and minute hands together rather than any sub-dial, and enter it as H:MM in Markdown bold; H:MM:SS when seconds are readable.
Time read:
**8:31**
